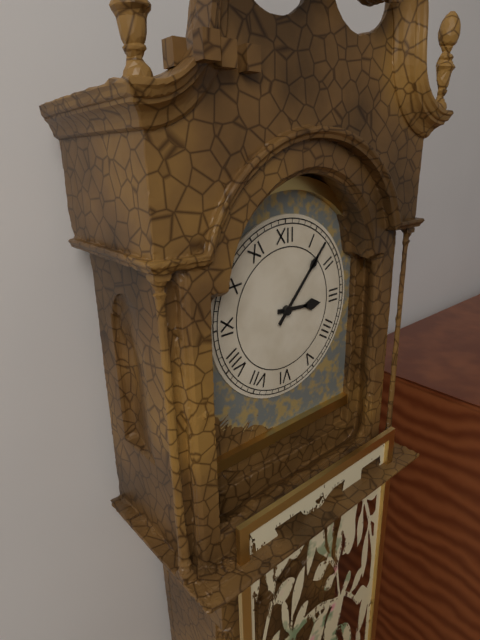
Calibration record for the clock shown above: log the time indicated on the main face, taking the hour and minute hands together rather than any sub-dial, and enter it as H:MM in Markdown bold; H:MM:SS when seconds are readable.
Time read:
**3:07**
